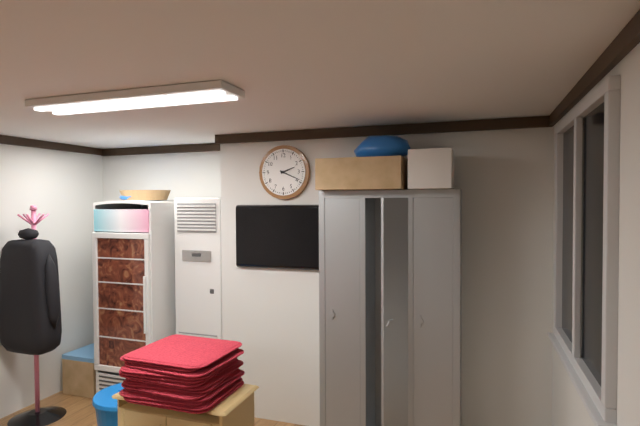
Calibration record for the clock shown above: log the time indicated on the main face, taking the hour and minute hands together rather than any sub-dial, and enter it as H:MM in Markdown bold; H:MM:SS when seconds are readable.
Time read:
**2:19**
